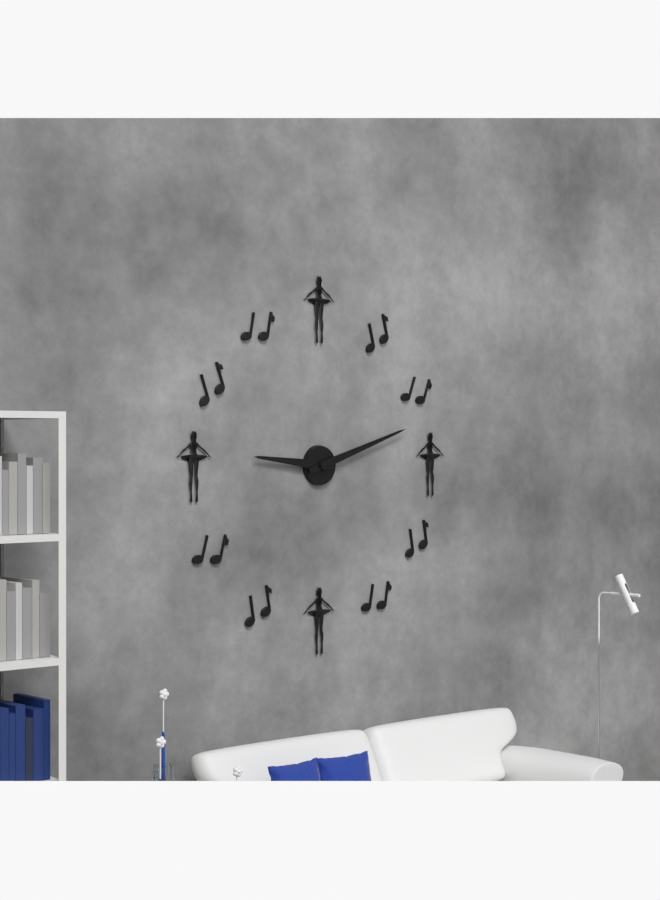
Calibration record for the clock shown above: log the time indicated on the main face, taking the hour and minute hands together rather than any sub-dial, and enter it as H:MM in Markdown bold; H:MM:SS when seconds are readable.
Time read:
**9:12**
